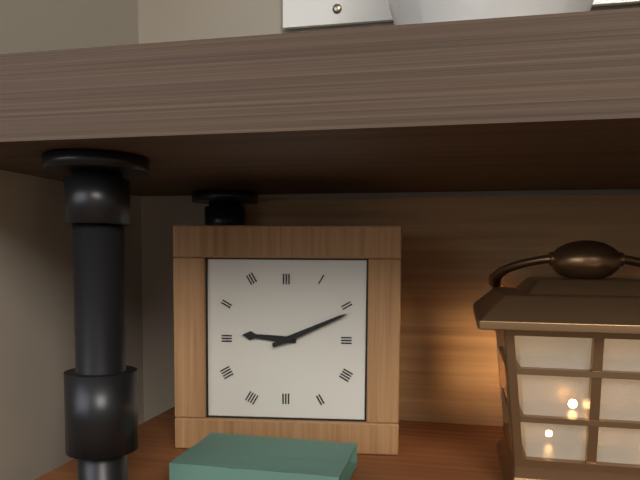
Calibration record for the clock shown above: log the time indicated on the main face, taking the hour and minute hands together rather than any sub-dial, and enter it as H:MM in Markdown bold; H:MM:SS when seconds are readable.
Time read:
**9:11**
